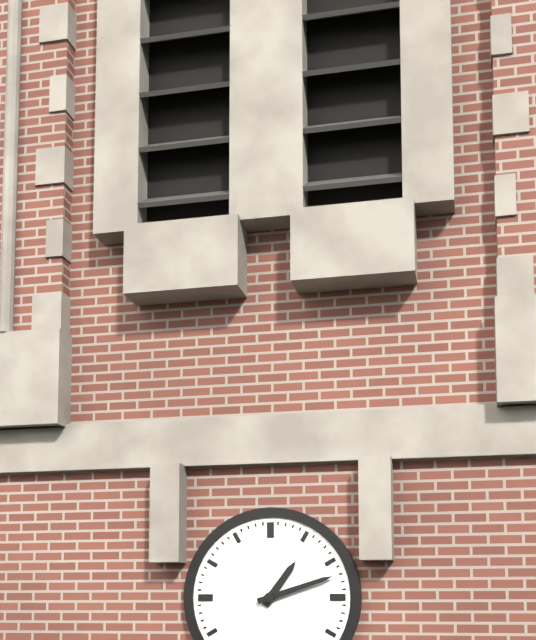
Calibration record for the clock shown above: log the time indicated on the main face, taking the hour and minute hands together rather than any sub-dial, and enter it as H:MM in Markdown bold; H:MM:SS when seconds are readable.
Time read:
**1:12**
